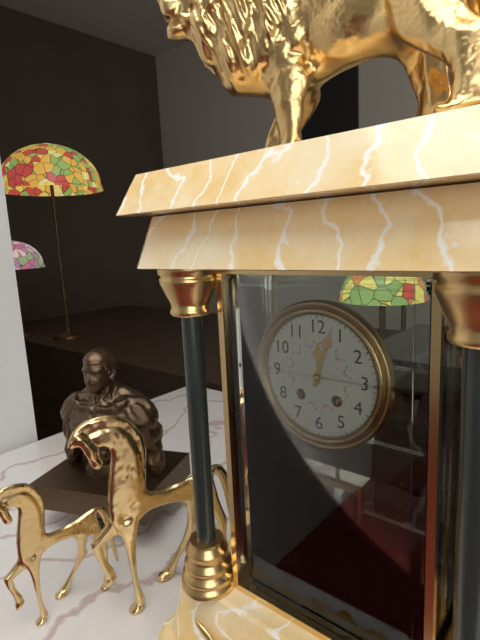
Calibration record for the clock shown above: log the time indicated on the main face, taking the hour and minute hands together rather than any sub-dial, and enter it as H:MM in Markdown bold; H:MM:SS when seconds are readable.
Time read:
**12:03**
